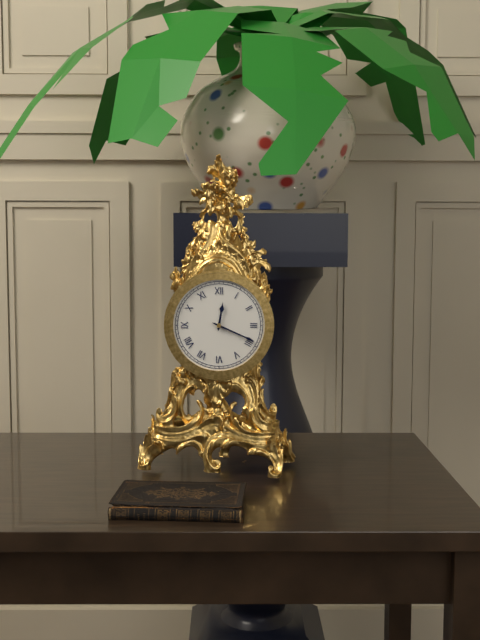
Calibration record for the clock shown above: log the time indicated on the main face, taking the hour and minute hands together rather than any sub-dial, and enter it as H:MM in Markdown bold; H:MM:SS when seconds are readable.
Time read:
**12:19**
